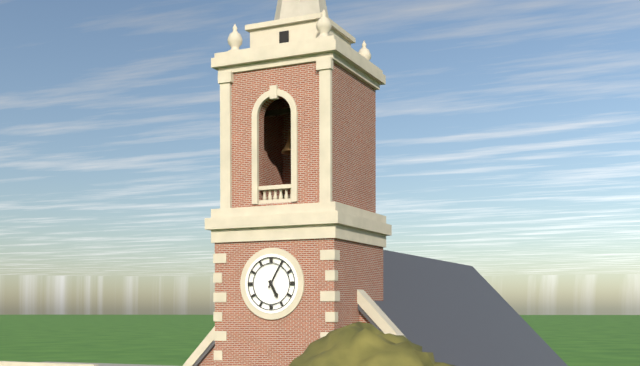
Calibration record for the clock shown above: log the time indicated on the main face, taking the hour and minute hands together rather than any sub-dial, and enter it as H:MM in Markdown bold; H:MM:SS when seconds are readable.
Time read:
**5:05**
